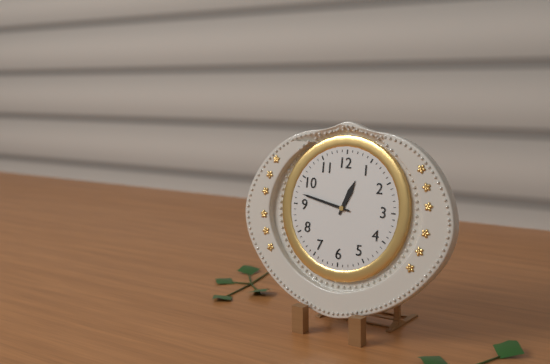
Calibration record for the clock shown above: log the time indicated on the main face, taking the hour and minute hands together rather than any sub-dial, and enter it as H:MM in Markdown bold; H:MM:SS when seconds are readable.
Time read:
**12:47**
